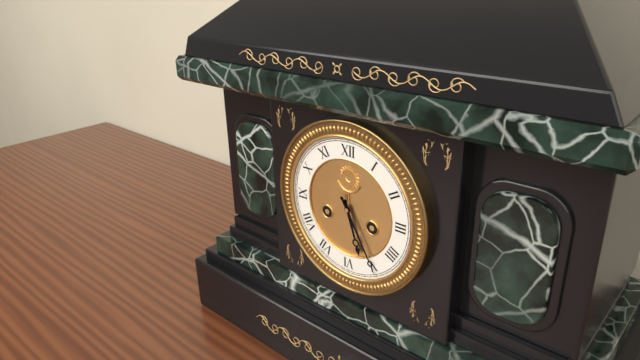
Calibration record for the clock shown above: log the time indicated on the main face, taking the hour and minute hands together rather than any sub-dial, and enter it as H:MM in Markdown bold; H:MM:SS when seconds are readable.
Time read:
**5:25**
